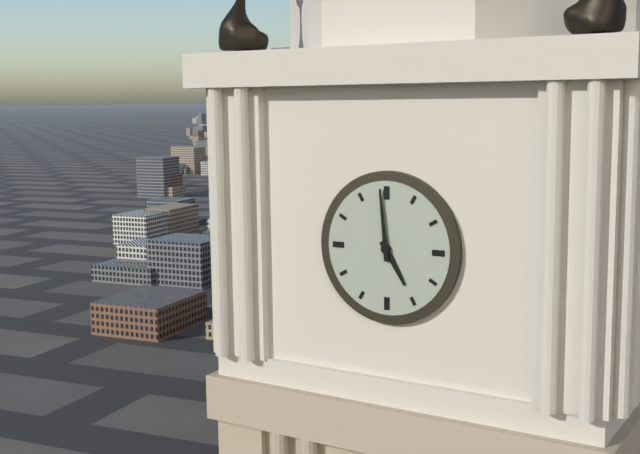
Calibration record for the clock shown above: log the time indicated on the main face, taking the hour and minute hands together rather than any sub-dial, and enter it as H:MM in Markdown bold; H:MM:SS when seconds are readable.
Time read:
**4:59**
